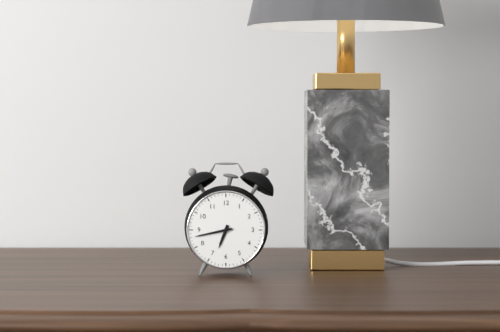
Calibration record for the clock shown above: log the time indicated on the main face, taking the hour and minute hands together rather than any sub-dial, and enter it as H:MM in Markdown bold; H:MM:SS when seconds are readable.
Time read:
**6:43**
